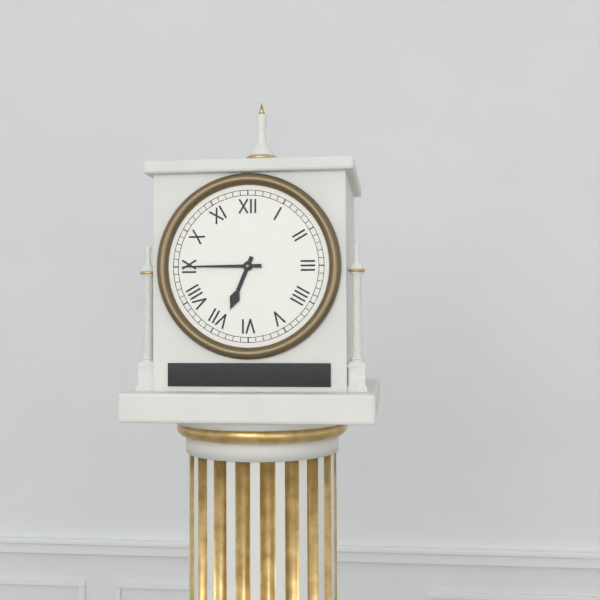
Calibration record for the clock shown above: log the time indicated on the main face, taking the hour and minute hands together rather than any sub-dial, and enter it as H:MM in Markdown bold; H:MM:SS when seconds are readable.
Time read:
**6:45**
